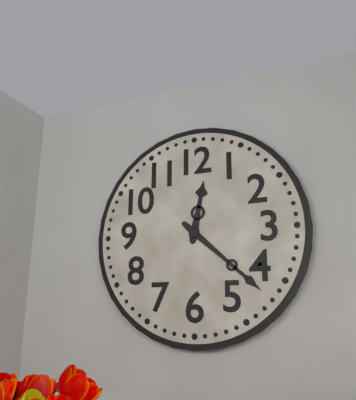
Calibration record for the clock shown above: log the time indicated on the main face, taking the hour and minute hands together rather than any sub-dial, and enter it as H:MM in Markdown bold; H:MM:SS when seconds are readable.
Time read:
**12:22**
